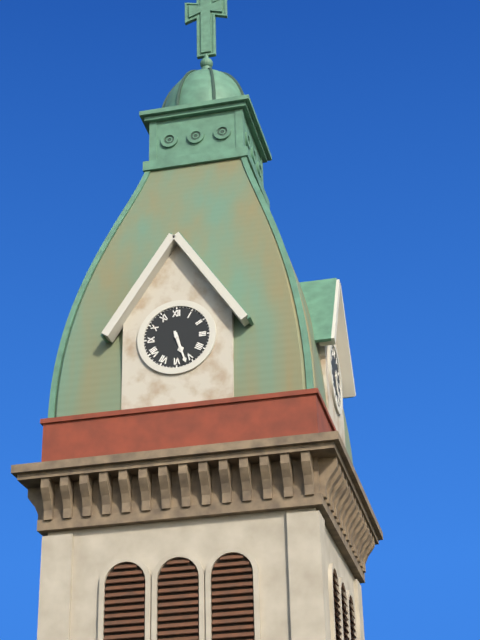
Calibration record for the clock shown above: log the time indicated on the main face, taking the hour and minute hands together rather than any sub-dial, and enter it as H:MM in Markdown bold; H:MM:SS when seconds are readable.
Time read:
**5:27**
